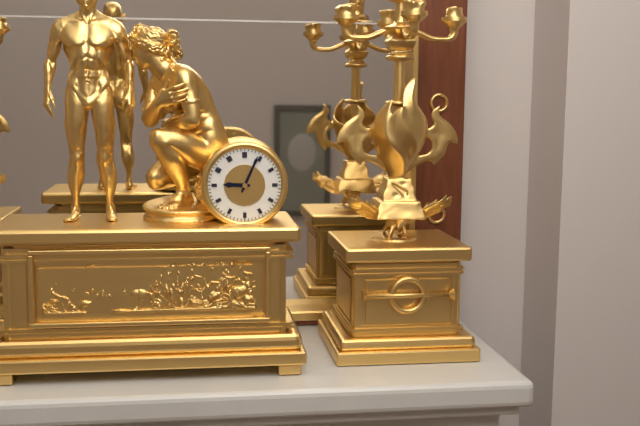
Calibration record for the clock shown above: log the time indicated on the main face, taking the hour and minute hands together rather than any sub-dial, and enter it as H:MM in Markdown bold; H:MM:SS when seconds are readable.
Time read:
**9:04**
